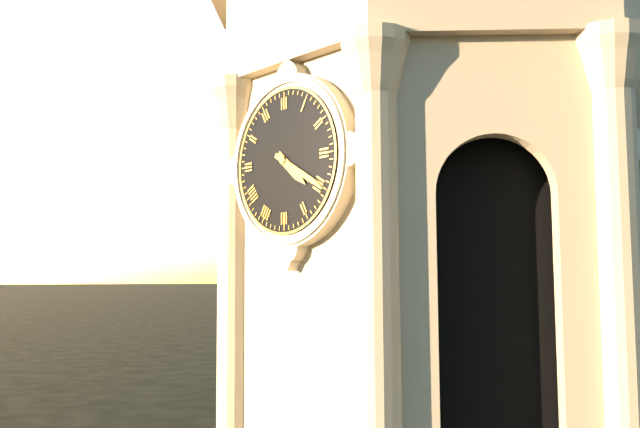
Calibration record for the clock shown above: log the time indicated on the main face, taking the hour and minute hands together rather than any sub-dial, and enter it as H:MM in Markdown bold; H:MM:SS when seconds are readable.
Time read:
**4:20**
